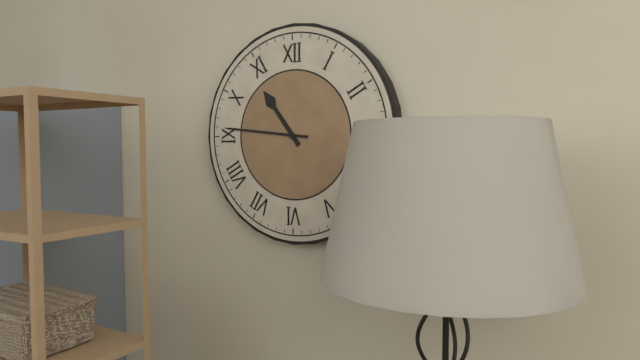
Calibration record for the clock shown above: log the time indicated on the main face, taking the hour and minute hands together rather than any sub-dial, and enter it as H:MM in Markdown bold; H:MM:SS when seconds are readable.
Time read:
**10:46**
